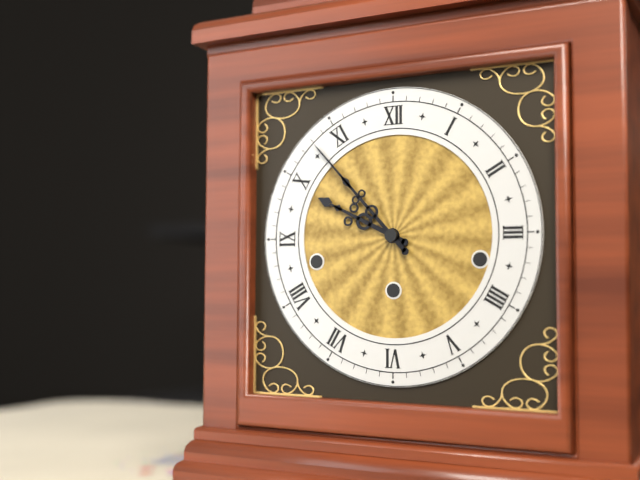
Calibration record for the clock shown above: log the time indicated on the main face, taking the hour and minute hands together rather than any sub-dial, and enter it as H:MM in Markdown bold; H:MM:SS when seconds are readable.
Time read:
**9:53**
